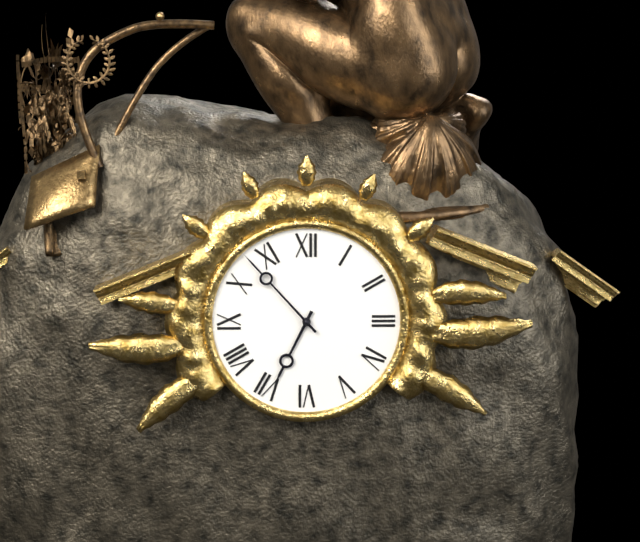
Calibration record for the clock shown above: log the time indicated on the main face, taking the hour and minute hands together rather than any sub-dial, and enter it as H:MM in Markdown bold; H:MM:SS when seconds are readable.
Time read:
**6:53**
